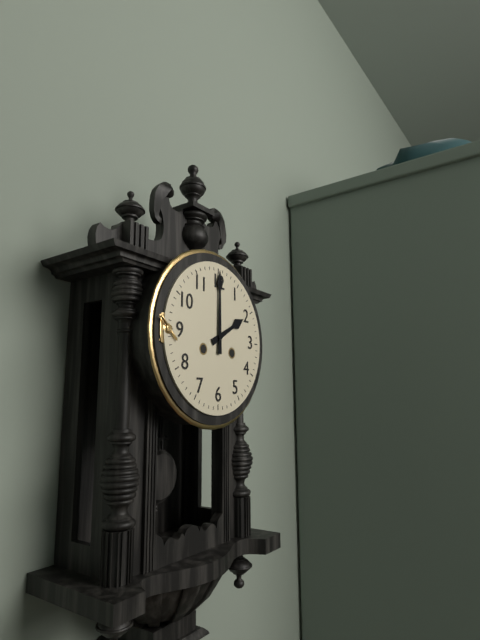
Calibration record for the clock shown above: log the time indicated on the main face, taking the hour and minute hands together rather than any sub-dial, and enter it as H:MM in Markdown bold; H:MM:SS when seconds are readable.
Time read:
**2:00**
